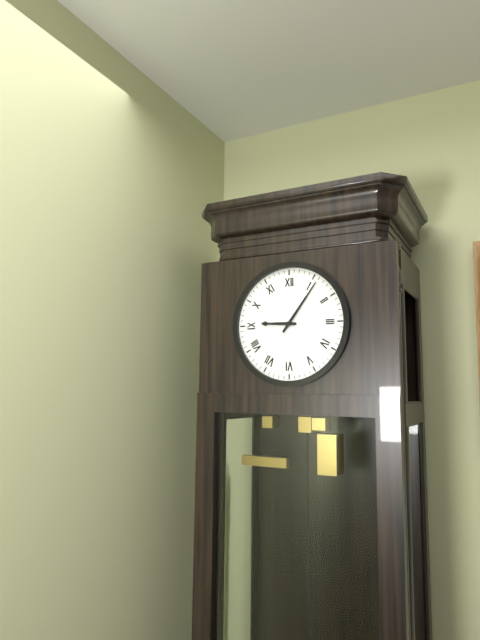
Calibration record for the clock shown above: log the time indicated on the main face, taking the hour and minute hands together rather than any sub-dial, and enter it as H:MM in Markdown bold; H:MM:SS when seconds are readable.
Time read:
**9:06**
